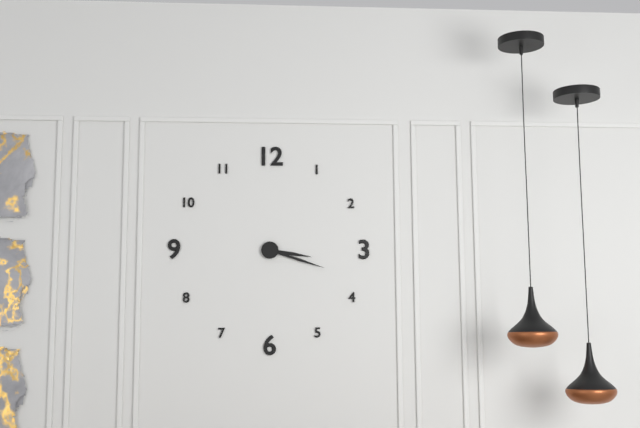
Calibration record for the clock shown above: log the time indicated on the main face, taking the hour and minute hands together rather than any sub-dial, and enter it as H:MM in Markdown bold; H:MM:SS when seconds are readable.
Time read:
**3:18**
